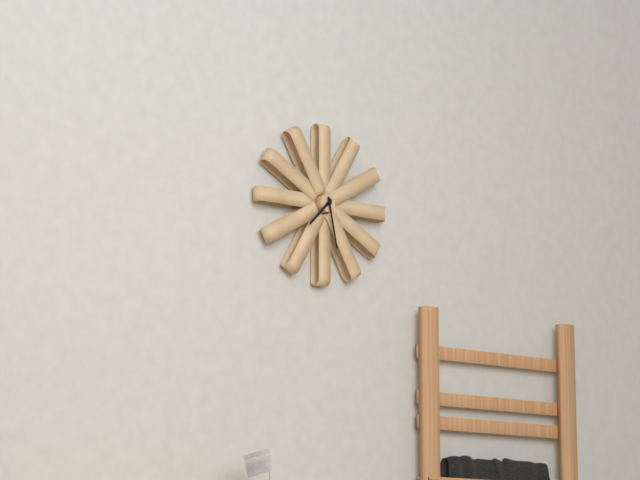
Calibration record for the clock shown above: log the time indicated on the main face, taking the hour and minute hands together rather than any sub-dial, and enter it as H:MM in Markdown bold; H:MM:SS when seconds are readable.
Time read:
**7:28**
